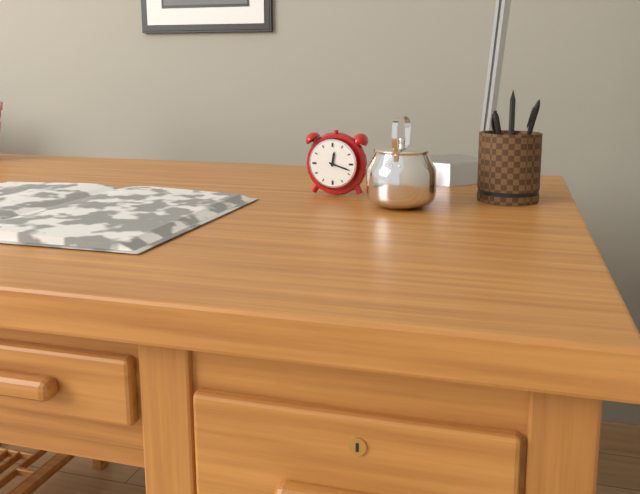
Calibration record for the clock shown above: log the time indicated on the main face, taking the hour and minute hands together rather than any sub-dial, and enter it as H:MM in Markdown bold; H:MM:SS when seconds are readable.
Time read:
**12:18**
